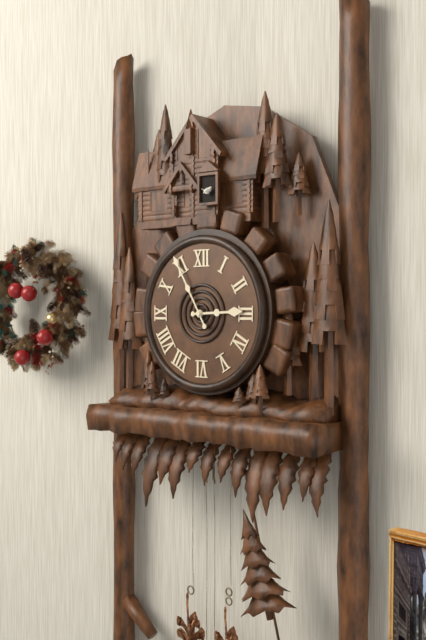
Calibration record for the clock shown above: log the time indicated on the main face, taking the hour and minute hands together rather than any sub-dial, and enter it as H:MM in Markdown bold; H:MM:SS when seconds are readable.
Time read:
**2:55**
